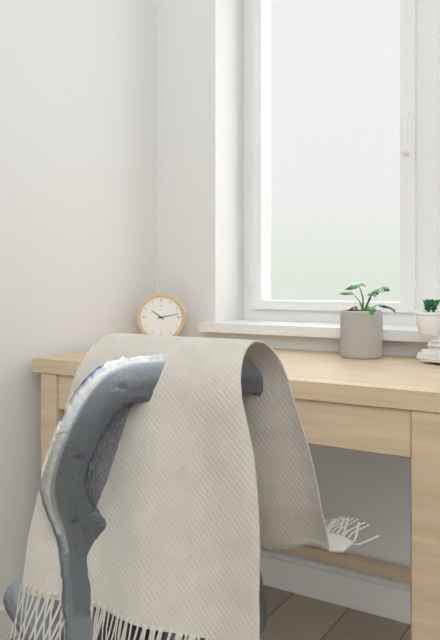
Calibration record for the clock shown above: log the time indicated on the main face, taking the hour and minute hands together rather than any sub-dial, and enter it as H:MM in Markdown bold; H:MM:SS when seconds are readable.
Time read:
**10:13**
